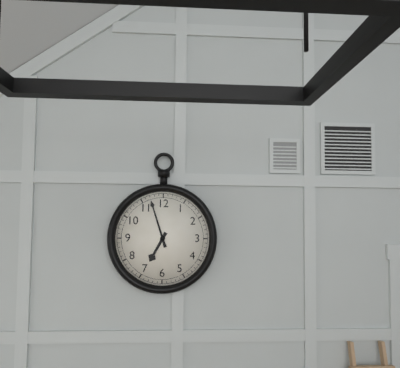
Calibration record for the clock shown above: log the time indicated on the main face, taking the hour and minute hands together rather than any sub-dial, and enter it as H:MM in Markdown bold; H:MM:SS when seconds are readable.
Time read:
**6:57**
